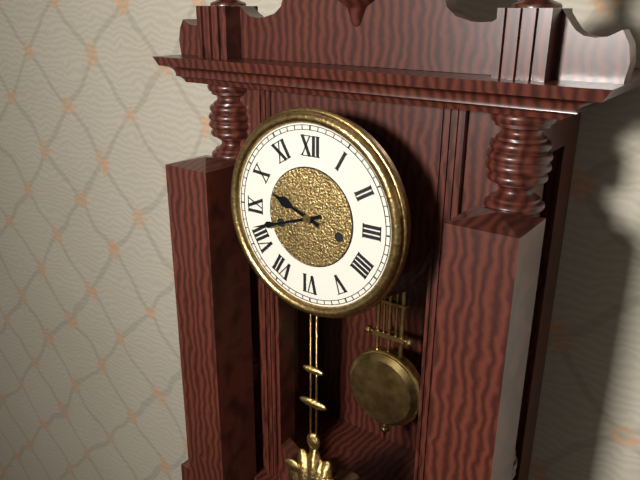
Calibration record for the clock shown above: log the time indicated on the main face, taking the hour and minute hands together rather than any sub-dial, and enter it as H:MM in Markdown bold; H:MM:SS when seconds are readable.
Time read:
**9:42**
